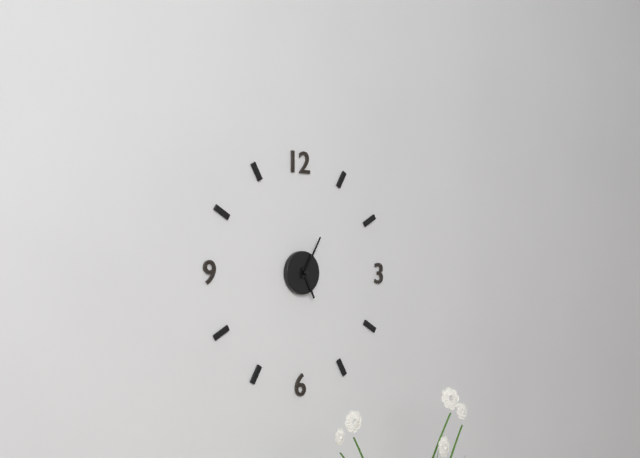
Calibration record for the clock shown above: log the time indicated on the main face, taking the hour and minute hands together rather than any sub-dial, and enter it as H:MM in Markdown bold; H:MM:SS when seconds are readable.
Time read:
**5:05**
